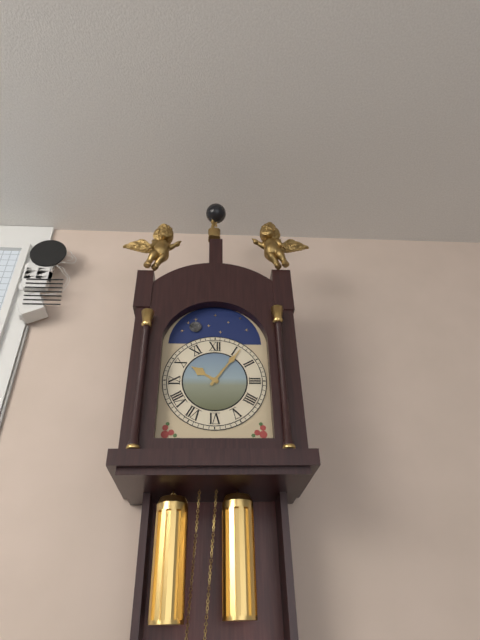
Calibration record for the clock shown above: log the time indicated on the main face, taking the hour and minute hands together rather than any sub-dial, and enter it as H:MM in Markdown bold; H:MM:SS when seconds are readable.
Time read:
**10:06**
